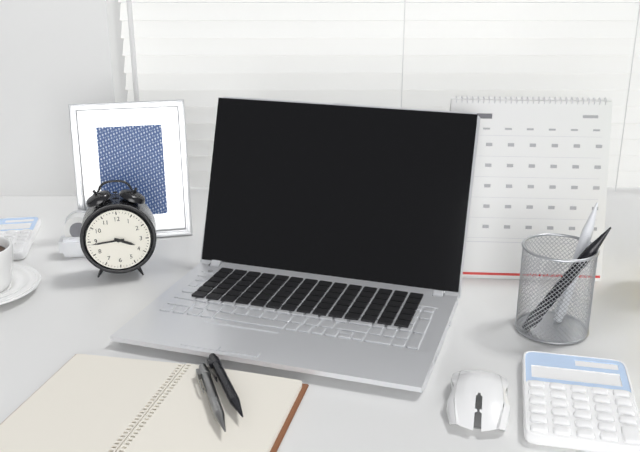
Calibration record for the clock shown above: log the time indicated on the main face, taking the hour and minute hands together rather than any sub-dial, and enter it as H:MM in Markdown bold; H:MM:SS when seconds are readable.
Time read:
**3:44**
